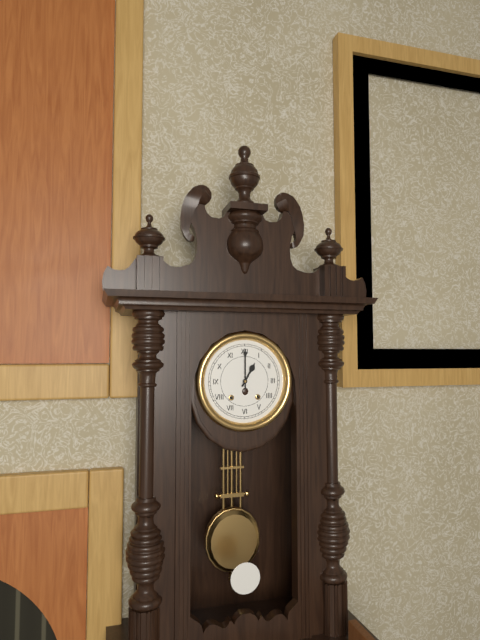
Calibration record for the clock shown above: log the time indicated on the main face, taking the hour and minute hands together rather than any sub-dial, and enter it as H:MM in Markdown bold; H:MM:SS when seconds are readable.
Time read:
**1:00**
